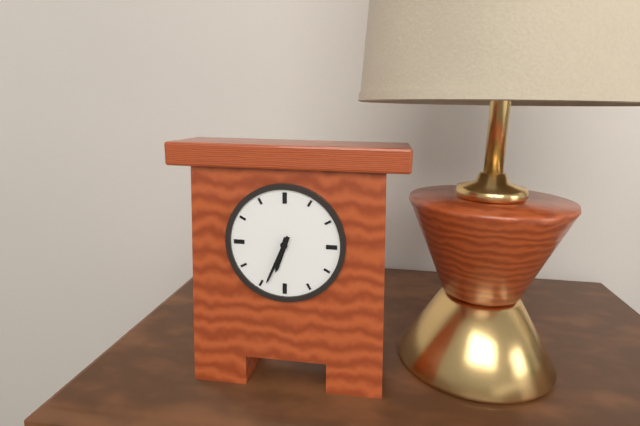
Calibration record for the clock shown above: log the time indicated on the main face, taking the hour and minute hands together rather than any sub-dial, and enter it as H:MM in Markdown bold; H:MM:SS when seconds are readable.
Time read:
**6:34**
